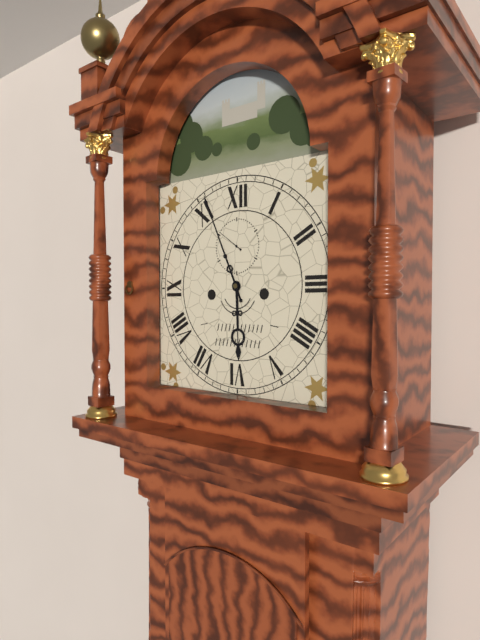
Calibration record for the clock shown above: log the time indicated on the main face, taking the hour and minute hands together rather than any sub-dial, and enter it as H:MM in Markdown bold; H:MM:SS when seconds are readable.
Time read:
**5:56**
